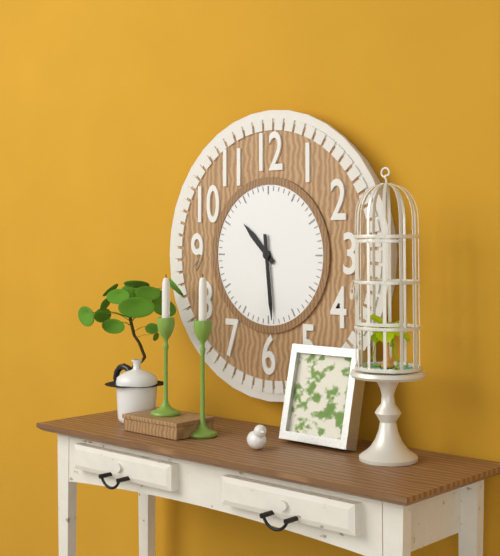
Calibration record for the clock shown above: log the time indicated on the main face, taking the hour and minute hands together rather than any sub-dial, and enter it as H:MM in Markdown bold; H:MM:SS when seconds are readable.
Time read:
**10:29**
